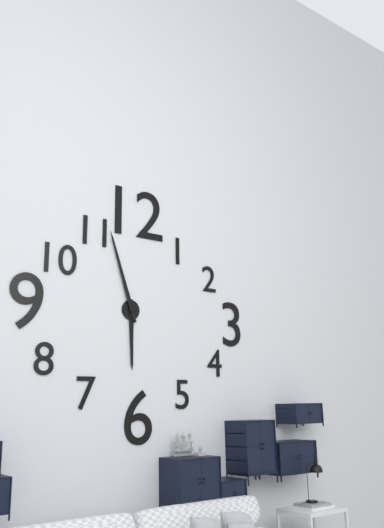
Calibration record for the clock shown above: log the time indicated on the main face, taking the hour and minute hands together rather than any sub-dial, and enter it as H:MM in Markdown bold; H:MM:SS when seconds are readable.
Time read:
**5:57**
